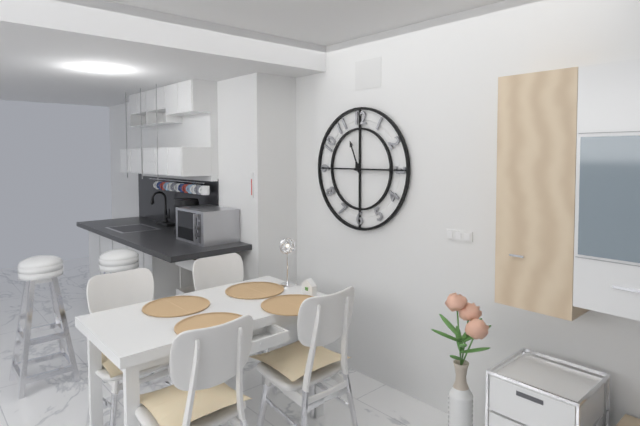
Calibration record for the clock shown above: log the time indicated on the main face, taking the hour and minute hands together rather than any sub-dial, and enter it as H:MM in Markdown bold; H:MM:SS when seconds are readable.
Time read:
**11:15**
